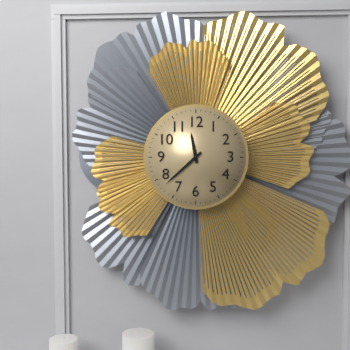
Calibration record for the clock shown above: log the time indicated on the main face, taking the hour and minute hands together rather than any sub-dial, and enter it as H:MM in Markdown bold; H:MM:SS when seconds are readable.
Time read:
**11:38**
